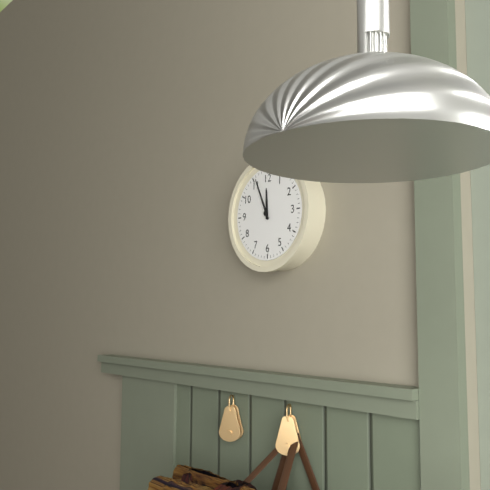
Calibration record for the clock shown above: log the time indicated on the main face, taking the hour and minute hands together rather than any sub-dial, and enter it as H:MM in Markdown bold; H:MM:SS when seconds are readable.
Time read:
**11:56**
